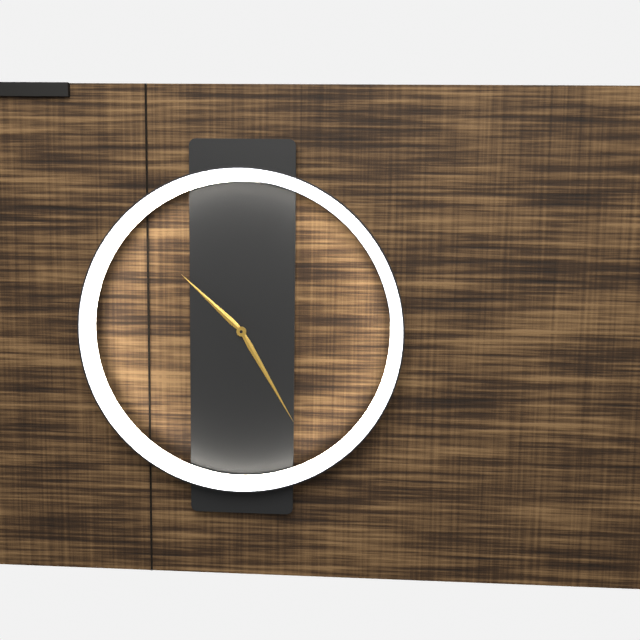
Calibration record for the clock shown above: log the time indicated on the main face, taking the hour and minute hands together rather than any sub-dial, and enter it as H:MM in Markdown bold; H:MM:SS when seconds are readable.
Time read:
**10:25**
